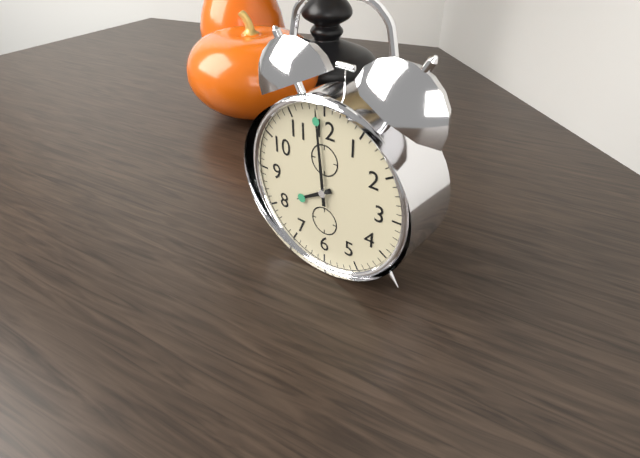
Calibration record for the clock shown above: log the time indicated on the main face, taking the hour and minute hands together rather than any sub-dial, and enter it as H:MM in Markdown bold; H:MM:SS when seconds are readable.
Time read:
**7:59**
